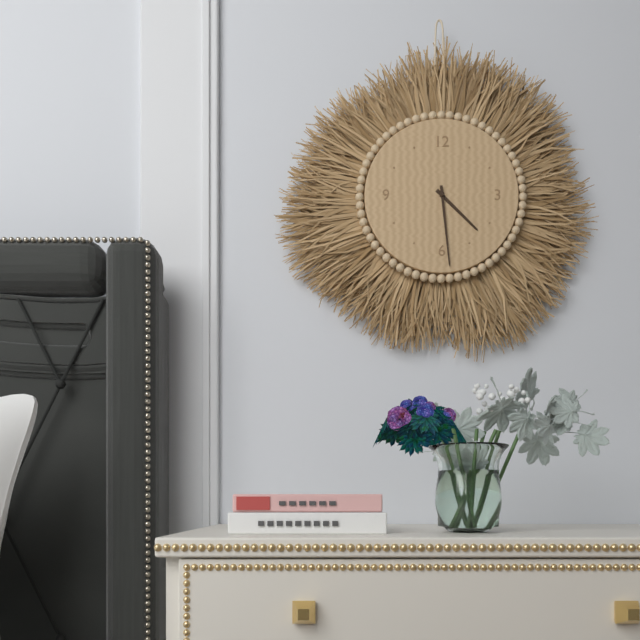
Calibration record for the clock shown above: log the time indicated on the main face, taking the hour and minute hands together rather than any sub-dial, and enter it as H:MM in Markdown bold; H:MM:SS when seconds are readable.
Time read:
**4:29**
